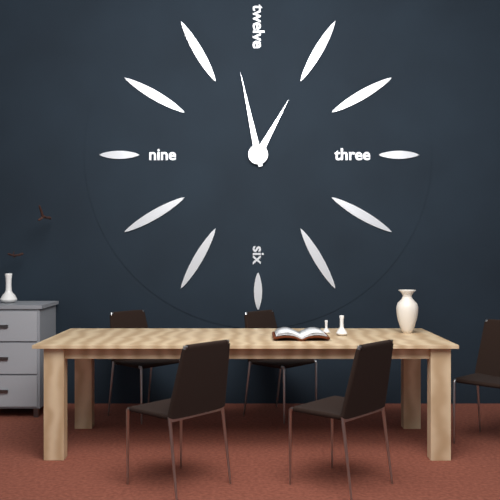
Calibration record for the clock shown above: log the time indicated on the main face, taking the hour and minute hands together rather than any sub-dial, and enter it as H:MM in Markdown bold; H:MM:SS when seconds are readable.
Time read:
**12:58**
